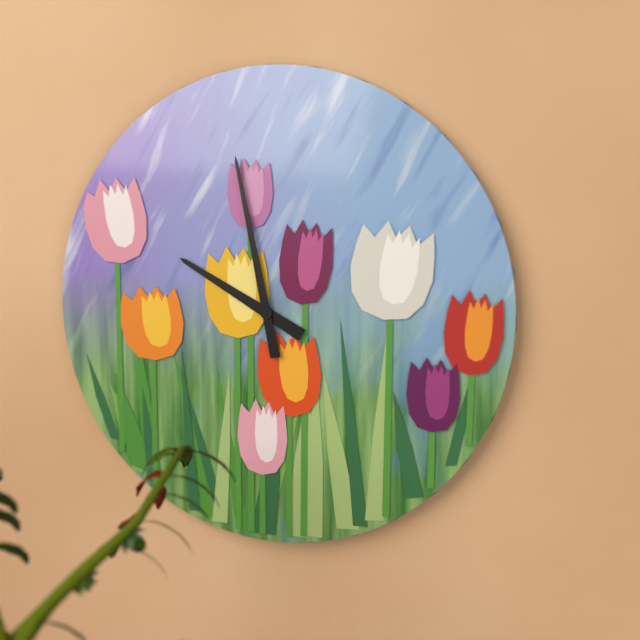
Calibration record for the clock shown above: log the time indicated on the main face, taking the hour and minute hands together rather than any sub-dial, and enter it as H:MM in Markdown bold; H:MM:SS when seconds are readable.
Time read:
**9:58**
